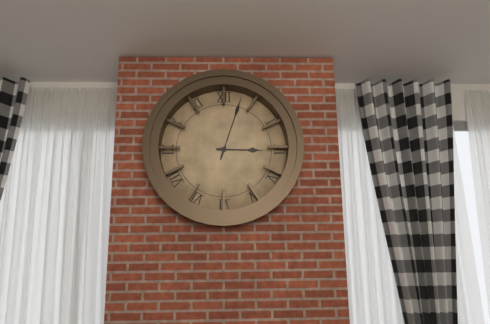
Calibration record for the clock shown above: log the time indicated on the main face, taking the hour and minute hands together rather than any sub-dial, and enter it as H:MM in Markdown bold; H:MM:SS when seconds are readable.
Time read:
**3:03**
